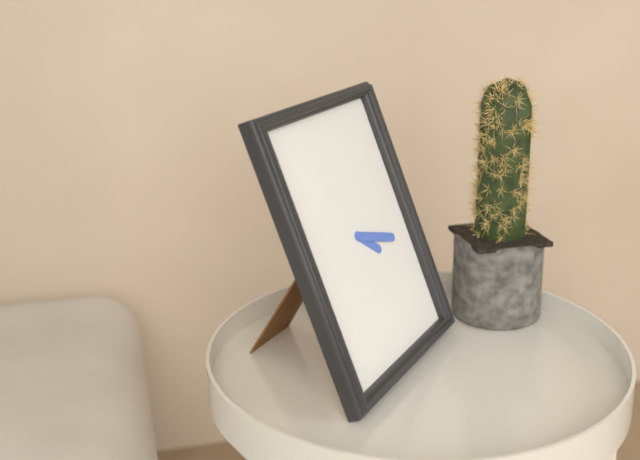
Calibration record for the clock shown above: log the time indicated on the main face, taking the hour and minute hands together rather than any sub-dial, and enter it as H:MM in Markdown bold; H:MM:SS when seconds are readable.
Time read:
**4:18**
